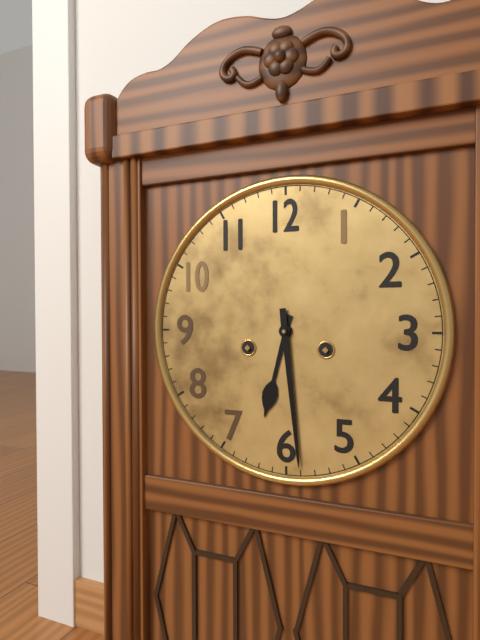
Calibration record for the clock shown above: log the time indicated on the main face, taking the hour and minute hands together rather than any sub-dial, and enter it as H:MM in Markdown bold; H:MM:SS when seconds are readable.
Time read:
**6:29**
